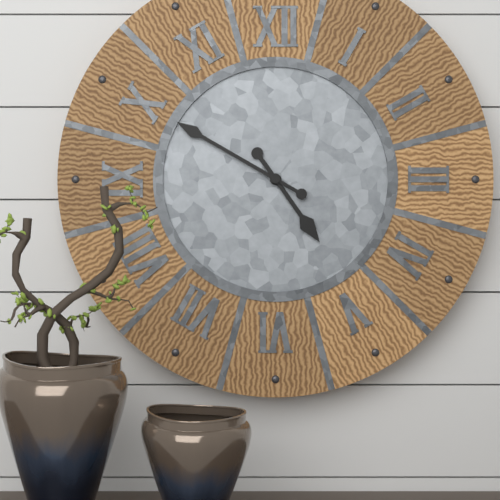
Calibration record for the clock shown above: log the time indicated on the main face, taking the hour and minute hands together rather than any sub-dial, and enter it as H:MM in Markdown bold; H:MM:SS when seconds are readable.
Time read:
**4:50**
